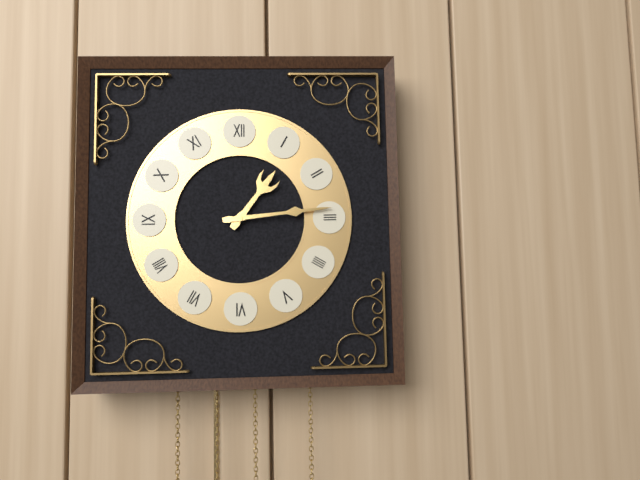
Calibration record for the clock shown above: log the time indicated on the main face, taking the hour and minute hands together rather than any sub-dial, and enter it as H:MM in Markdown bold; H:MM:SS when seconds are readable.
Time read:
**1:14**
